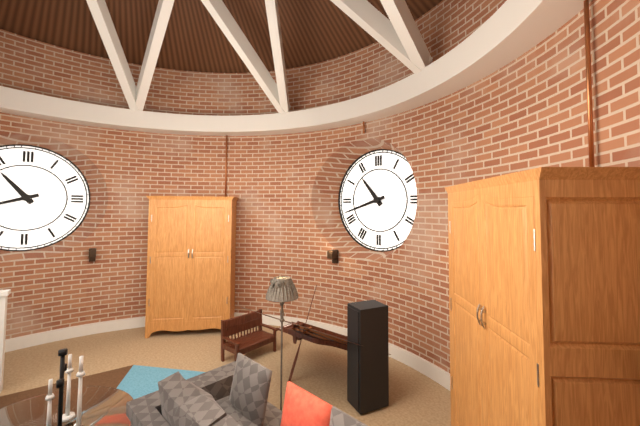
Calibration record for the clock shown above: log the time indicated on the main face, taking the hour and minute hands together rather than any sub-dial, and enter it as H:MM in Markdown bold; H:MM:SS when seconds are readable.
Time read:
**10:42**
